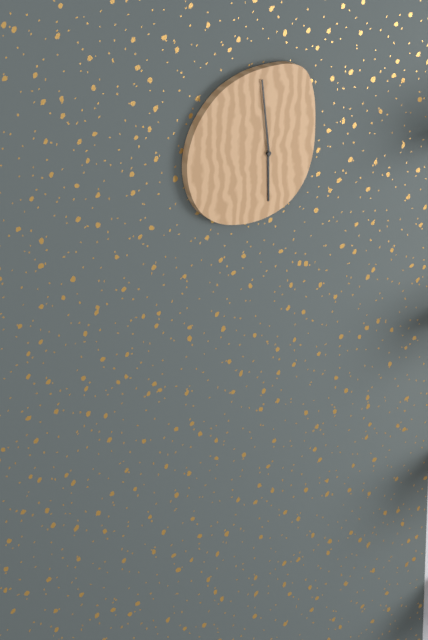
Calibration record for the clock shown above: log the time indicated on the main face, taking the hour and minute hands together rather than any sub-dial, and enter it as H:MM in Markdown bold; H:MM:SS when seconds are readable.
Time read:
**5:59**
